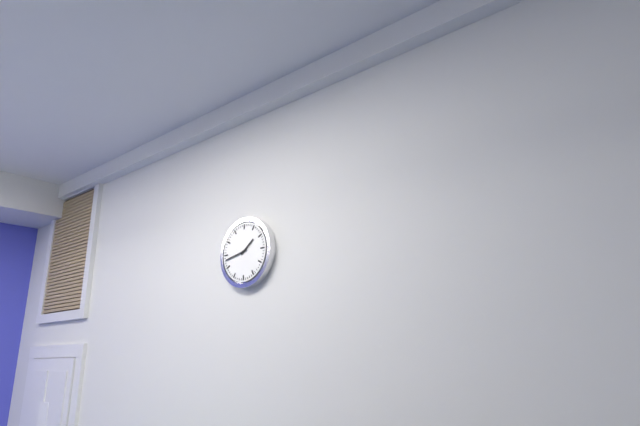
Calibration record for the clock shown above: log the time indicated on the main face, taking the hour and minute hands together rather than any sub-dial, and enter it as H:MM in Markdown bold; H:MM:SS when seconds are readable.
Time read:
**1:43**
